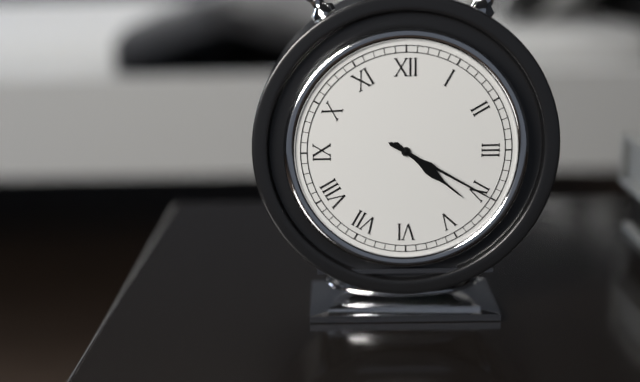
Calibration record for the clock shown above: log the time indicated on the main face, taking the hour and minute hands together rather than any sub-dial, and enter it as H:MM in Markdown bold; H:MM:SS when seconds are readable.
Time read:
**4:20**
